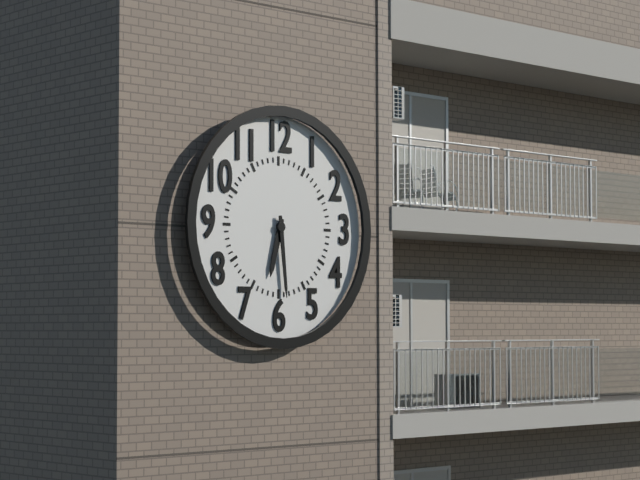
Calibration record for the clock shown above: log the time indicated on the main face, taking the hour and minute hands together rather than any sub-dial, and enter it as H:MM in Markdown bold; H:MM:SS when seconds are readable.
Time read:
**6:29**
